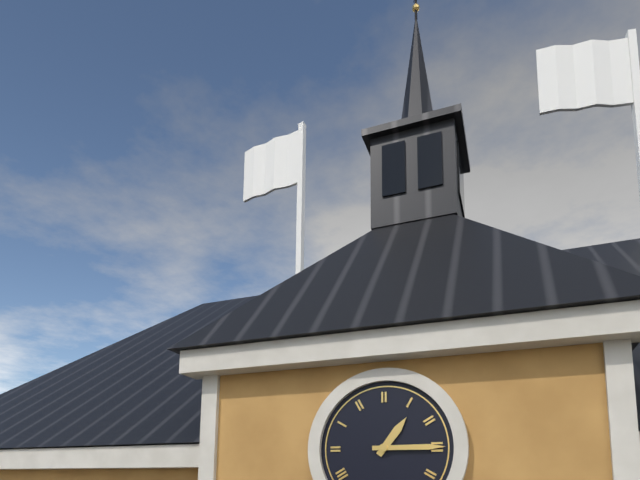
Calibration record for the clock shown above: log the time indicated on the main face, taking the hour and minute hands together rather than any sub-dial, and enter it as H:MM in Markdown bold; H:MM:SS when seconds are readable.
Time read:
**1:15**
